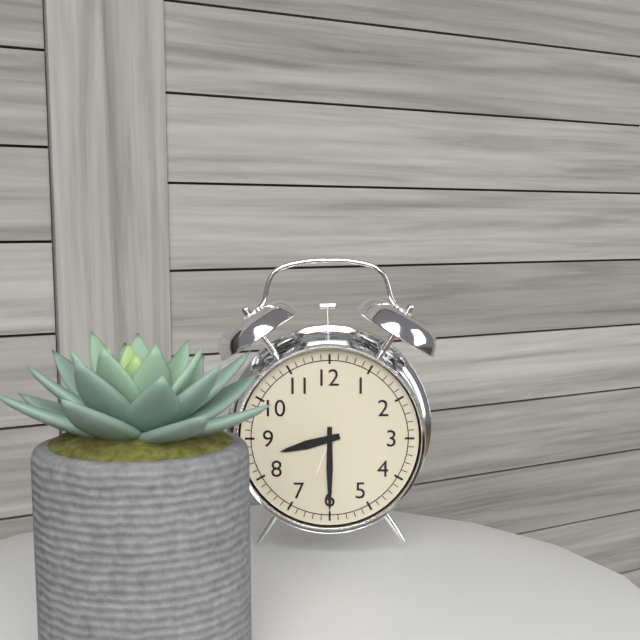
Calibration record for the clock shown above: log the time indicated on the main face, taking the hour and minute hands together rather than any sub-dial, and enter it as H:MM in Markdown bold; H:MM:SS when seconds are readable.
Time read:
**8:30**
